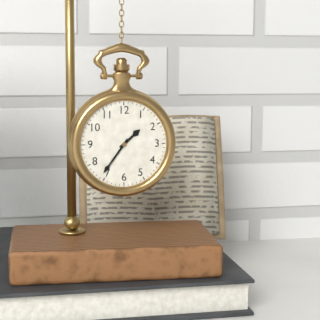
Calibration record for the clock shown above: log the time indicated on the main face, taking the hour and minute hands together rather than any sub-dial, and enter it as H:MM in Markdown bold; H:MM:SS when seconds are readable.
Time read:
**1:36**
